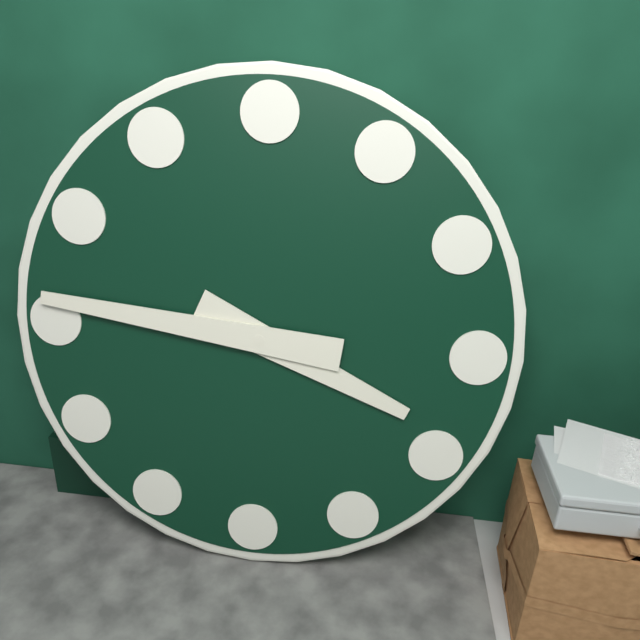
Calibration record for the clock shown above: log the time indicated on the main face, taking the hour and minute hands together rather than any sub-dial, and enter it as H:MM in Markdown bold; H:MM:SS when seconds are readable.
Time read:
**3:46**
